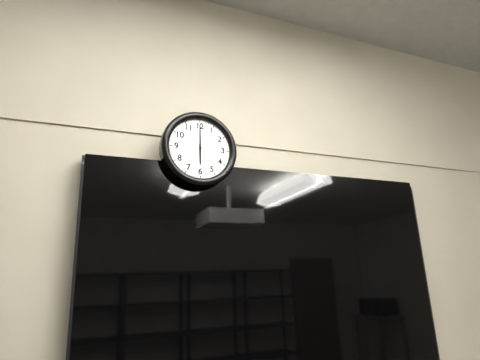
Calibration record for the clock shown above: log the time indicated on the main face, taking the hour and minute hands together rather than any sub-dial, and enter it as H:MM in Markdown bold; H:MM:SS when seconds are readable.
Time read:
**6:00**
